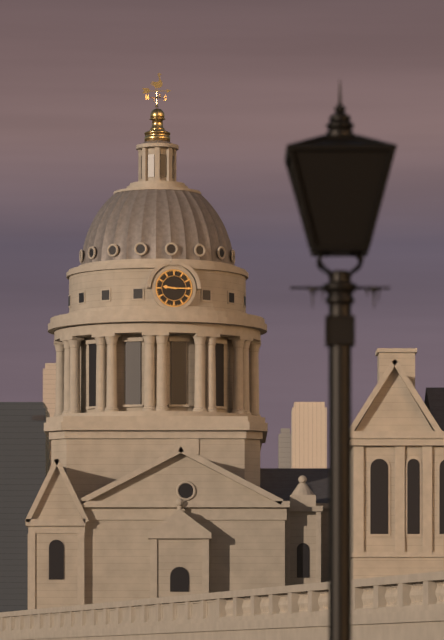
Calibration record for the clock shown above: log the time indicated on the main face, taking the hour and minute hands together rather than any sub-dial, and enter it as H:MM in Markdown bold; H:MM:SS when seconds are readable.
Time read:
**9:15**
